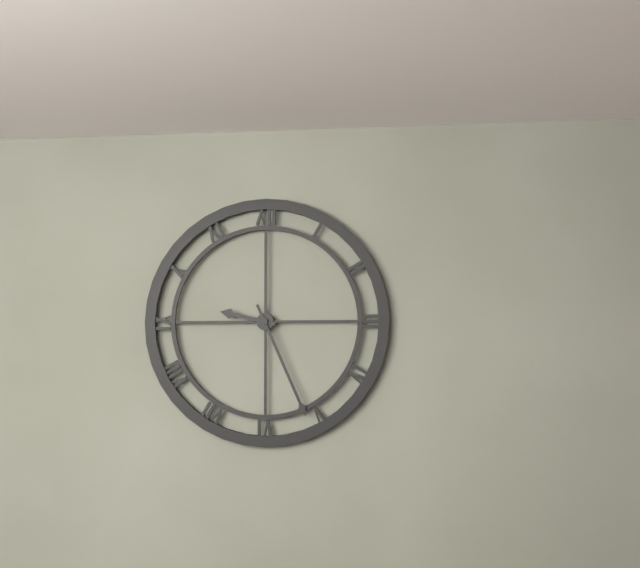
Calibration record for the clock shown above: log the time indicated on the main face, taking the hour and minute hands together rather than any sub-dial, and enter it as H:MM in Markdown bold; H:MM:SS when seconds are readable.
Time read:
**9:26**
